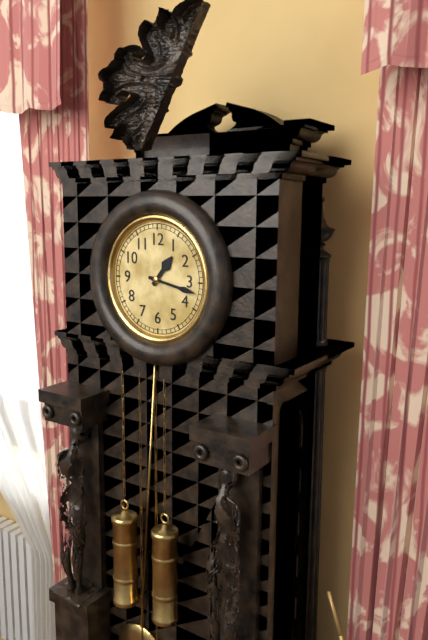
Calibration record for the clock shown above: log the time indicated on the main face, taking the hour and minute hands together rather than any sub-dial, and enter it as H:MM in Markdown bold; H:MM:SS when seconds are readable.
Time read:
**1:17**
